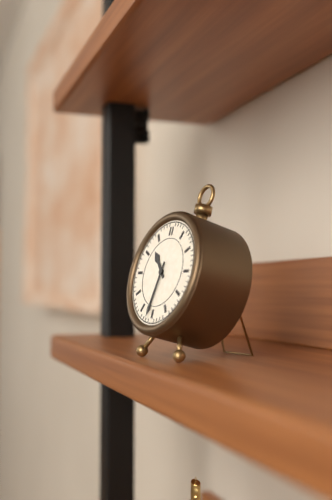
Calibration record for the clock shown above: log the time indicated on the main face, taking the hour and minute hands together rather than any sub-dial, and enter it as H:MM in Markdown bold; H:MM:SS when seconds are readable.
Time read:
**10:32**
